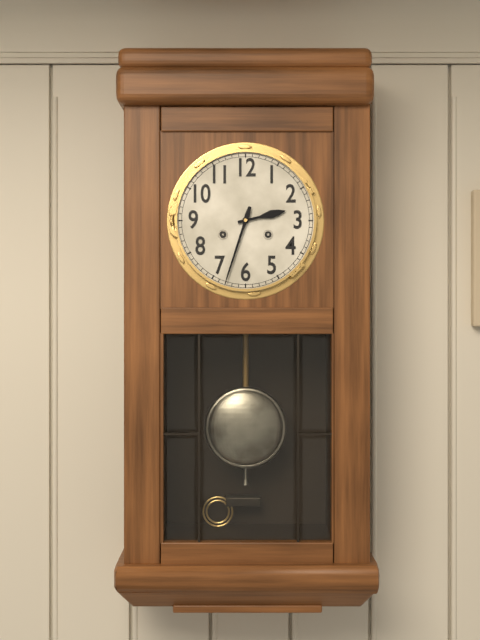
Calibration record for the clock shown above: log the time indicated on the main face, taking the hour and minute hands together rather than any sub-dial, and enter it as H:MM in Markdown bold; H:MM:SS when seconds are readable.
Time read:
**2:33**
